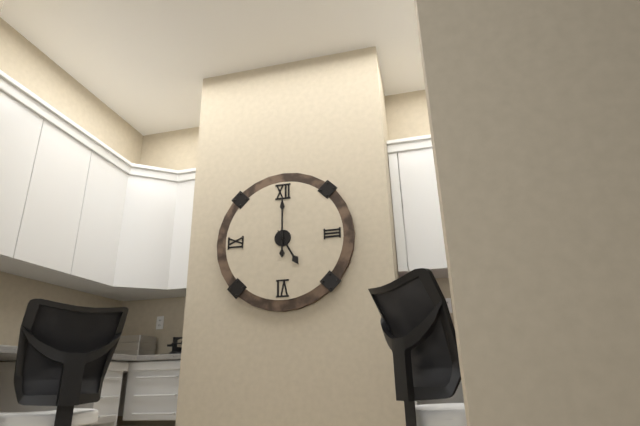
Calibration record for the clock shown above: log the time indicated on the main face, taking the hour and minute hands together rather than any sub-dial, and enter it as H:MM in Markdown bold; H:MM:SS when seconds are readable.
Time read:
**5:00**
